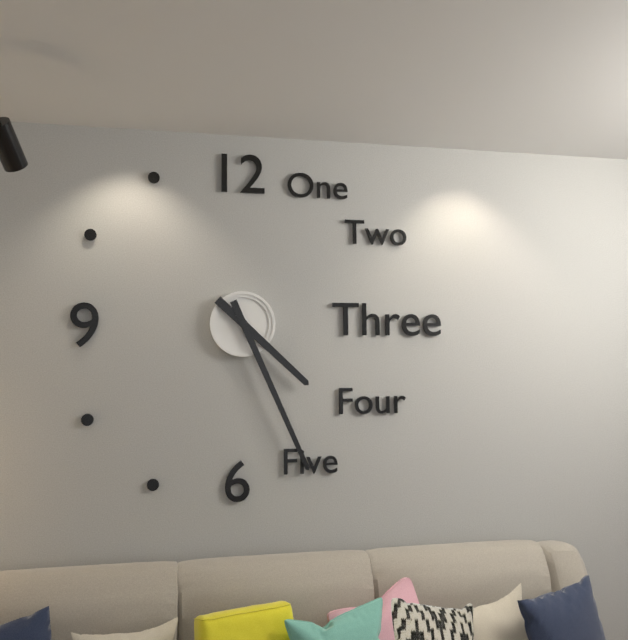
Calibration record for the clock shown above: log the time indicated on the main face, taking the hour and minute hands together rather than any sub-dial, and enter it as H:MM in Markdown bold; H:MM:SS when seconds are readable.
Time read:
**4:26**
